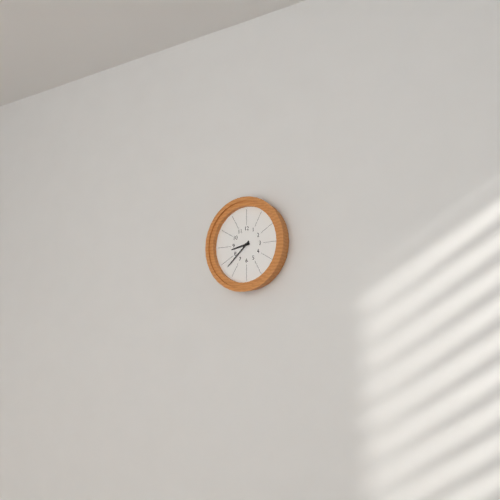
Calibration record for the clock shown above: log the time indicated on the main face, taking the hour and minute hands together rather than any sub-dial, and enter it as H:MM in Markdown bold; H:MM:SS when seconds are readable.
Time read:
**8:38**
